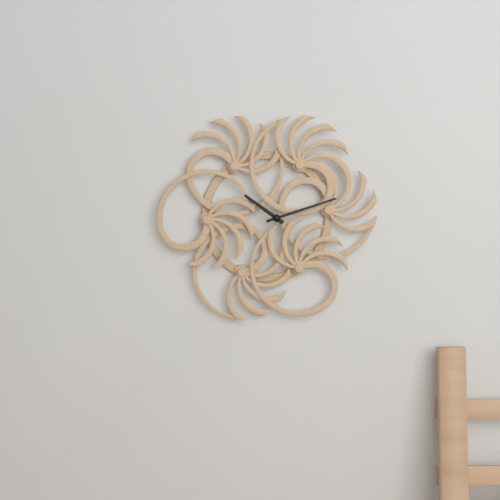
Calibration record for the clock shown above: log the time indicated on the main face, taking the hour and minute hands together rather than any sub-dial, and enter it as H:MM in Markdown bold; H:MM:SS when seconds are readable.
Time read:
**10:12**
